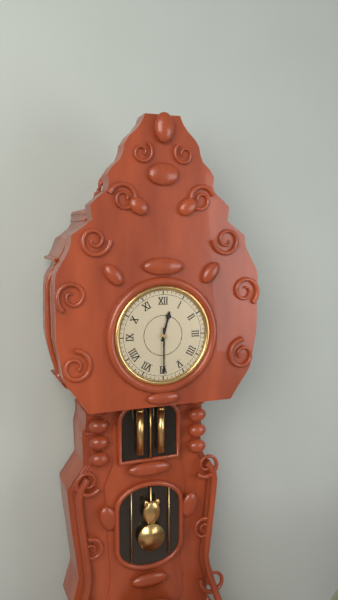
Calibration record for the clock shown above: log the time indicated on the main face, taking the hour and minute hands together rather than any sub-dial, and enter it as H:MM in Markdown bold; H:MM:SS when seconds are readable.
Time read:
**12:30**
